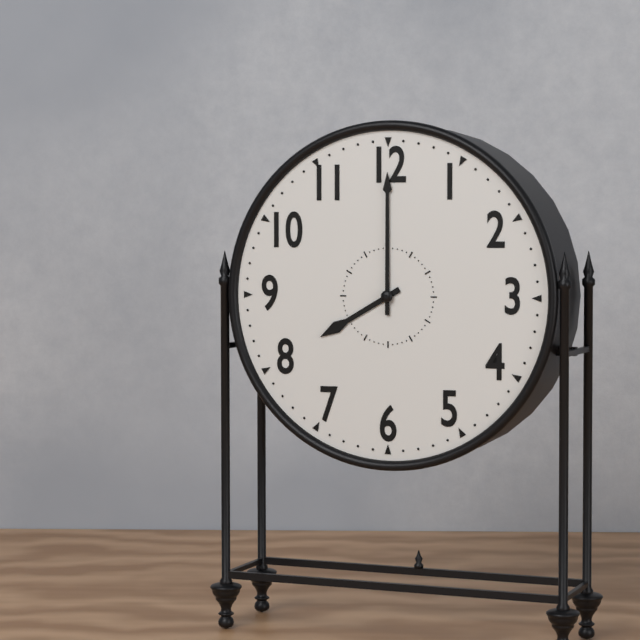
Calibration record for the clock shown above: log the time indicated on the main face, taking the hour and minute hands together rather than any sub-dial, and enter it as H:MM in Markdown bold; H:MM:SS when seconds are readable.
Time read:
**8:00**
